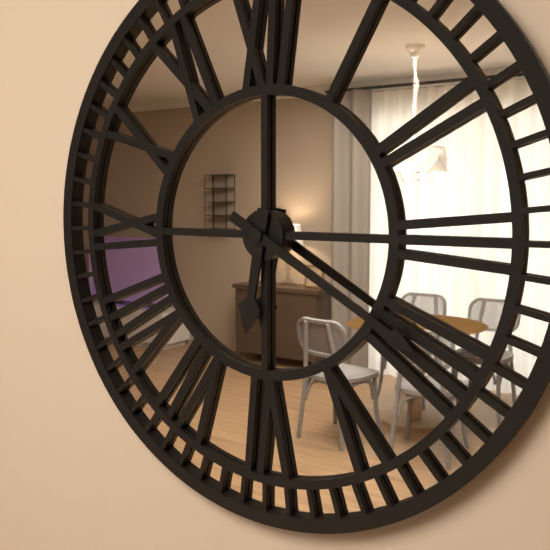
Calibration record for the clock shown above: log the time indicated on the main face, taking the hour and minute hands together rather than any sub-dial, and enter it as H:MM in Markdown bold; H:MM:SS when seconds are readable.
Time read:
**6:20**
